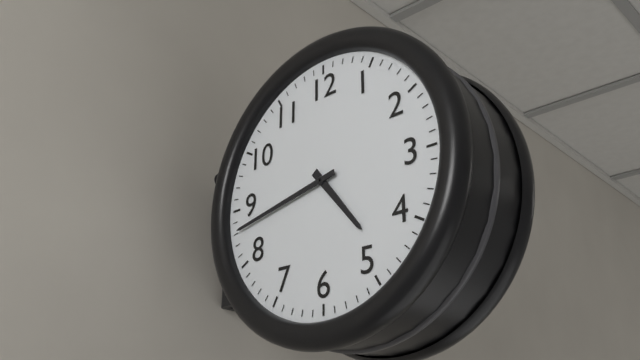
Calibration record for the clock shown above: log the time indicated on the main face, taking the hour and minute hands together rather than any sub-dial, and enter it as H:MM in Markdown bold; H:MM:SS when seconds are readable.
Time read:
**4:43**
